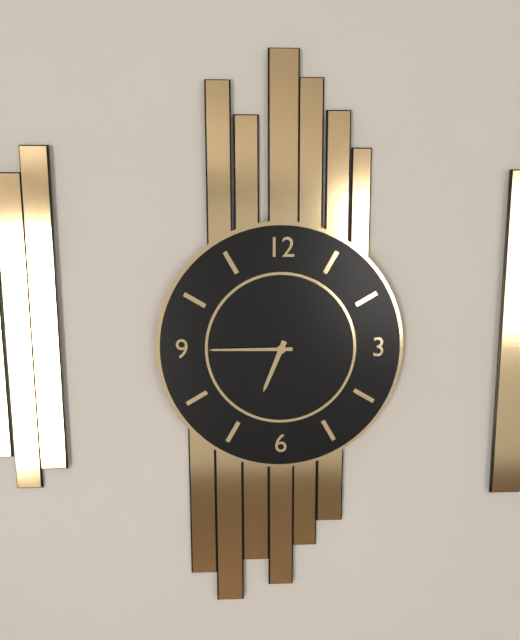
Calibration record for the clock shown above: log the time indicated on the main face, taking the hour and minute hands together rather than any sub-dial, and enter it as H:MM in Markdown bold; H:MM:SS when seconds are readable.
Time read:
**6:45**
